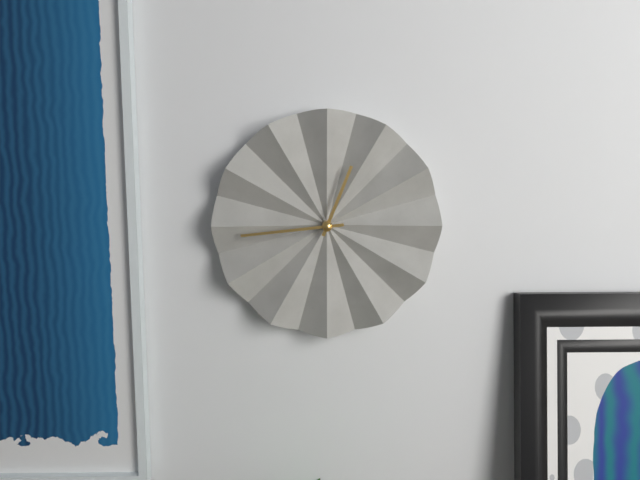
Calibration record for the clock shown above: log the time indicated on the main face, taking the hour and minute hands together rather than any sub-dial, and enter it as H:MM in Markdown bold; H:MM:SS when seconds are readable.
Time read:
**12:44**
